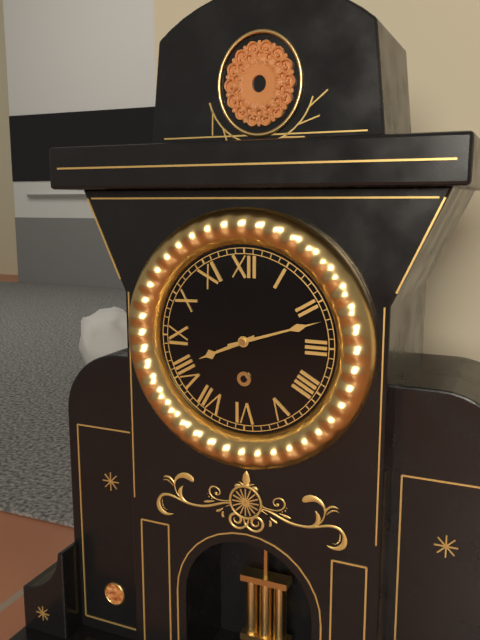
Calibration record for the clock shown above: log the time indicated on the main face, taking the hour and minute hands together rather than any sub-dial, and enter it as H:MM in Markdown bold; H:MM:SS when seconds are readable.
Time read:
**8:12**
